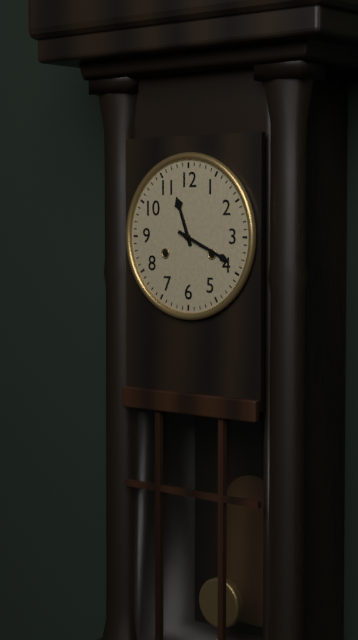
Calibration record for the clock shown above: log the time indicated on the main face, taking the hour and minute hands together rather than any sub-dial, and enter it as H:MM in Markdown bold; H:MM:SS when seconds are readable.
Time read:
**11:19**
